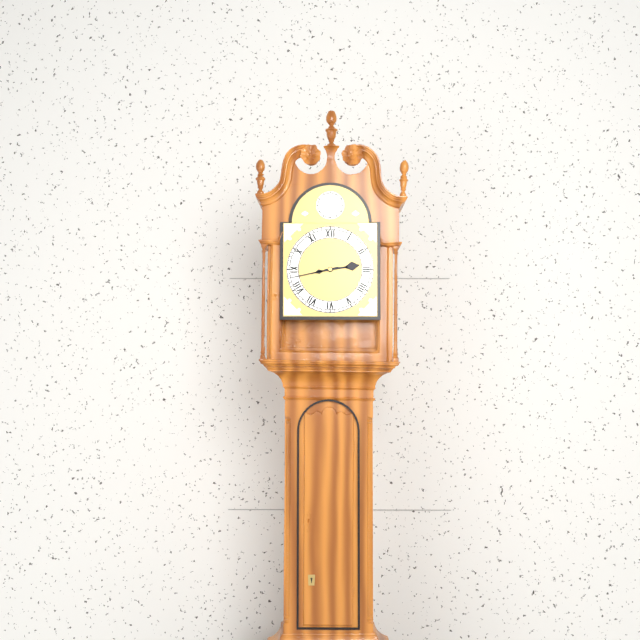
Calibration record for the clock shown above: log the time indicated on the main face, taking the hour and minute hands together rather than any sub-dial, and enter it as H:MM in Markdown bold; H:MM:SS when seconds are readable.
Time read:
**2:43**
